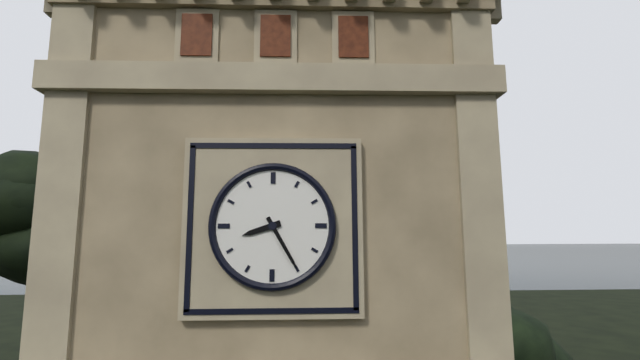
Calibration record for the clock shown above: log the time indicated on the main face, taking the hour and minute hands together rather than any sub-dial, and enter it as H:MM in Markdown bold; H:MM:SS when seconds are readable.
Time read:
**8:25**
